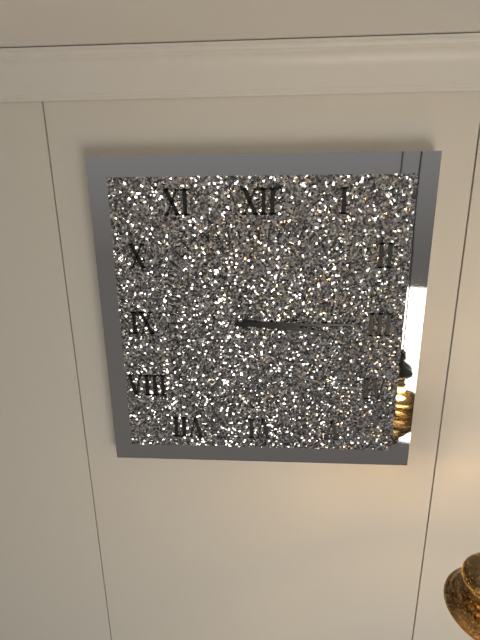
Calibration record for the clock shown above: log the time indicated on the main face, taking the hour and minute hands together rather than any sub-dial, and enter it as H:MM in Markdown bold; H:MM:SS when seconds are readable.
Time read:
**3:15**
